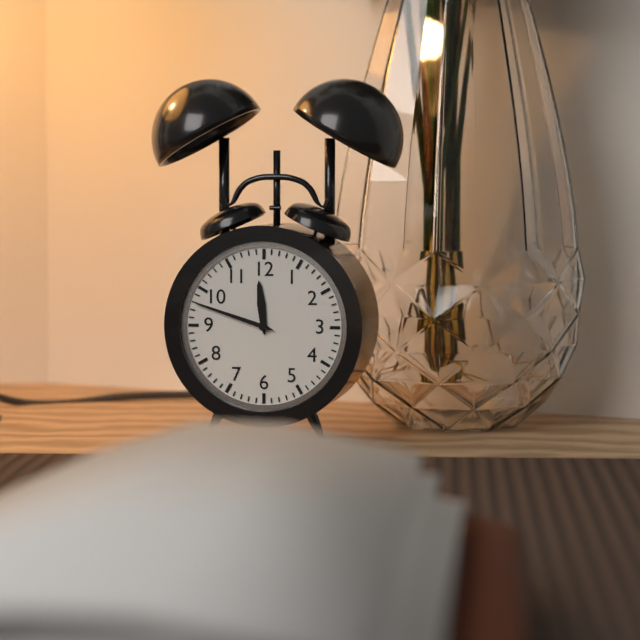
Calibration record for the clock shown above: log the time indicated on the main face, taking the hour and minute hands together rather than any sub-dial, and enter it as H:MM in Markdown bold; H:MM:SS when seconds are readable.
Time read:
**11:48**
